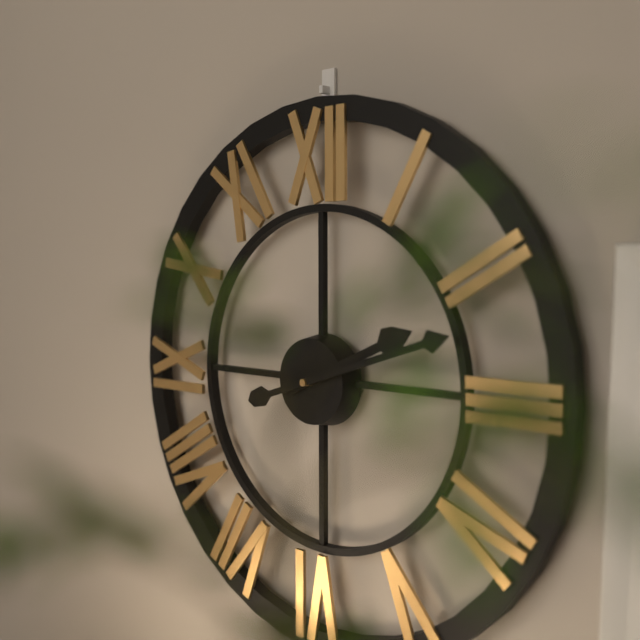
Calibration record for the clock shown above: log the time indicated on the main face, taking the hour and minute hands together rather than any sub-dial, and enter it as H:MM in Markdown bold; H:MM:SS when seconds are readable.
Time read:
**2:12**
